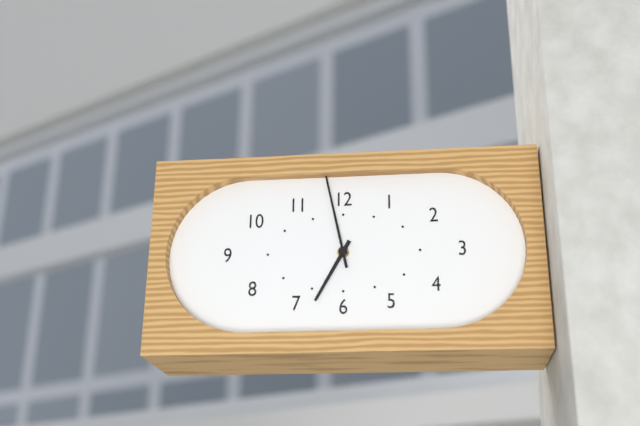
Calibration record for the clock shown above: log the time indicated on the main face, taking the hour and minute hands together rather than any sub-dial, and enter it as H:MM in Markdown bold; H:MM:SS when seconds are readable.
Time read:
**6:58**
